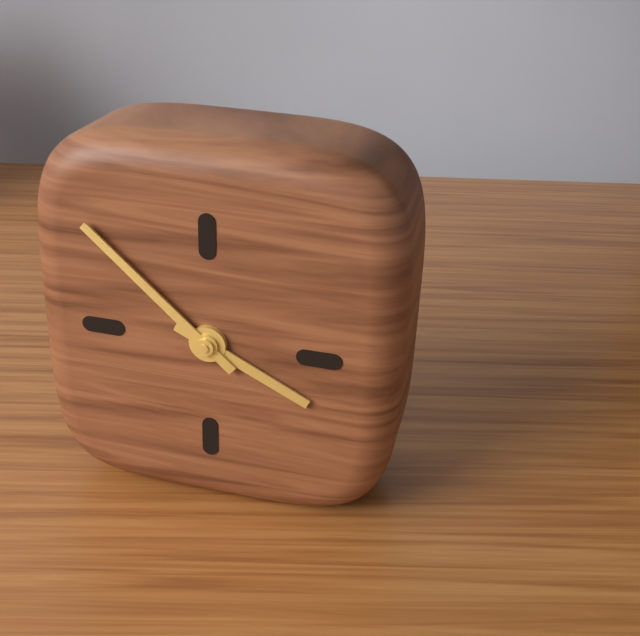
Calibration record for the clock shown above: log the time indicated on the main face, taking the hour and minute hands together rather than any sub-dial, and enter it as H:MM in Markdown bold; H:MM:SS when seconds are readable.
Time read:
**3:52**
